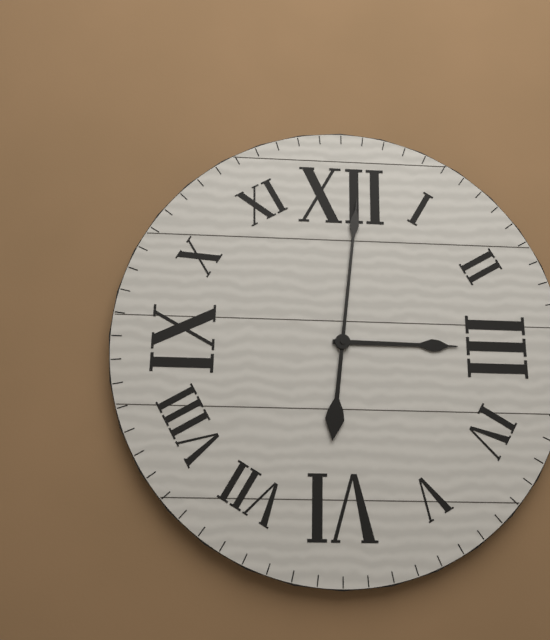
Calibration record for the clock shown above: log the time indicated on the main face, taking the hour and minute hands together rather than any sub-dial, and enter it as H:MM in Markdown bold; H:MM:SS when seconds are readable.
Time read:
**3:01**
